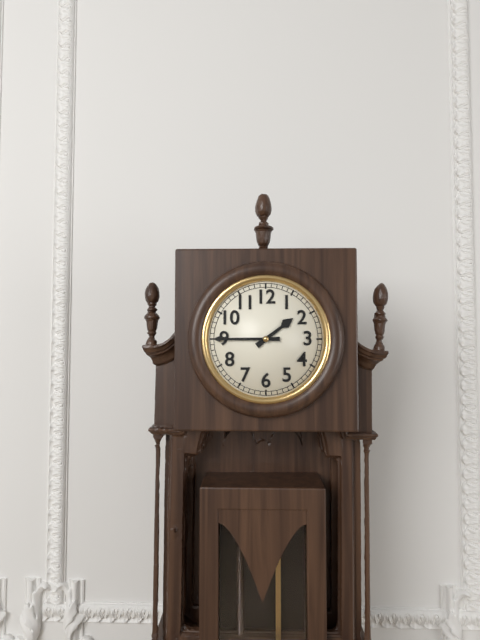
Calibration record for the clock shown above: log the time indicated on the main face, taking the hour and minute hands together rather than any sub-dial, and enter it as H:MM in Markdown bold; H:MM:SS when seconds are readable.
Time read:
**1:45**
